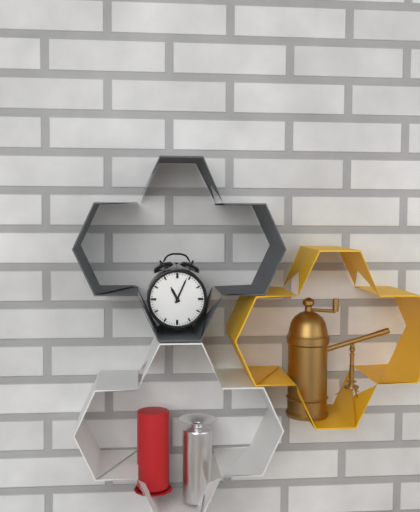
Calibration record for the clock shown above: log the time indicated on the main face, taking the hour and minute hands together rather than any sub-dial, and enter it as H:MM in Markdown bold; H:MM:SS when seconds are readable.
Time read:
**11:04**
